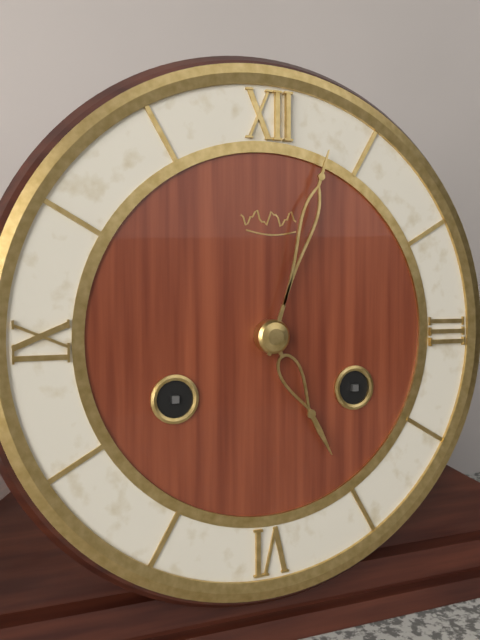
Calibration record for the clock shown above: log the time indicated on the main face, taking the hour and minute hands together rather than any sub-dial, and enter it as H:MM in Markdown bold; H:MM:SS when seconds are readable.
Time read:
**5:03**
